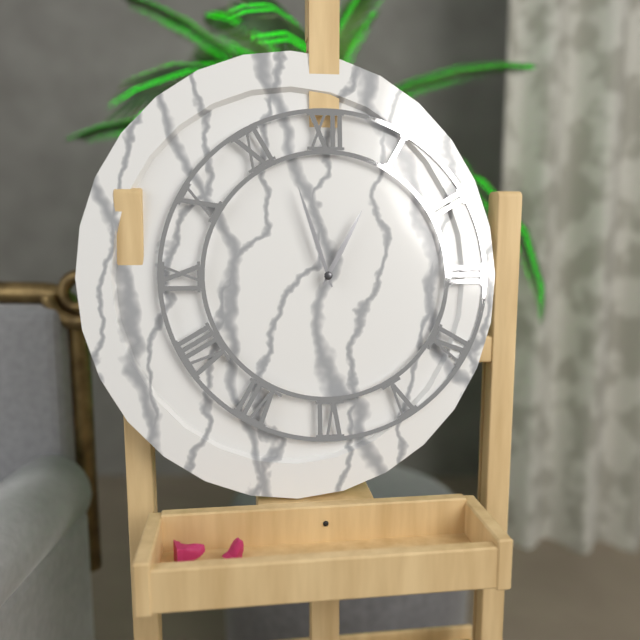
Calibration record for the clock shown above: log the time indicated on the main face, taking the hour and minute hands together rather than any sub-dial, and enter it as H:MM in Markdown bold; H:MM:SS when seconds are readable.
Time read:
**12:57**
